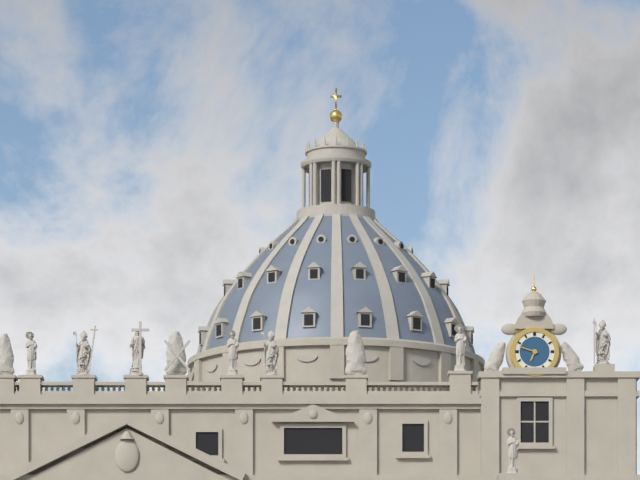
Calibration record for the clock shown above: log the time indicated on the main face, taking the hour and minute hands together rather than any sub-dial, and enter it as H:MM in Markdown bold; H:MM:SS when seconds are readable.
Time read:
**6:48**
